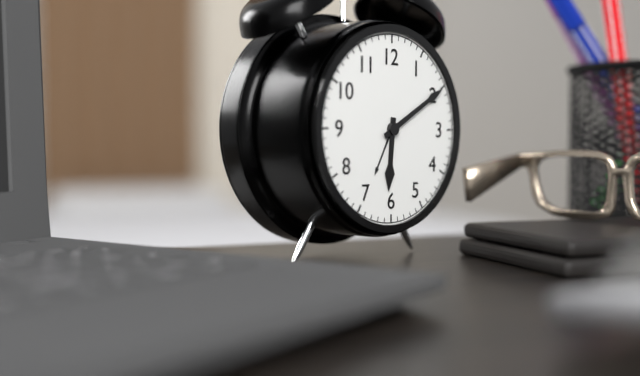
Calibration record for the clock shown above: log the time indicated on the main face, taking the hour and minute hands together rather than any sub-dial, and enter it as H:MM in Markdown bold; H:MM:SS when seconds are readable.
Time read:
**6:10**
